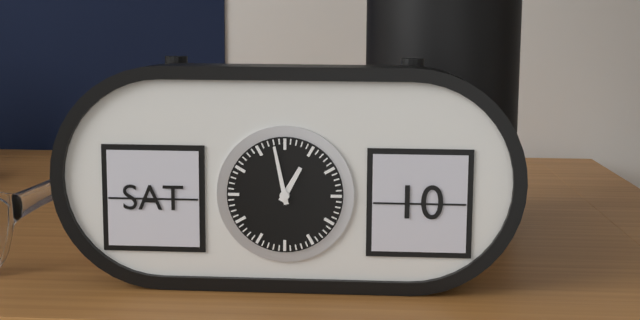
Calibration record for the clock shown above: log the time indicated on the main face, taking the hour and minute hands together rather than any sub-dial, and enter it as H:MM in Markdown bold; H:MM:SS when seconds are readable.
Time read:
**12:58**
